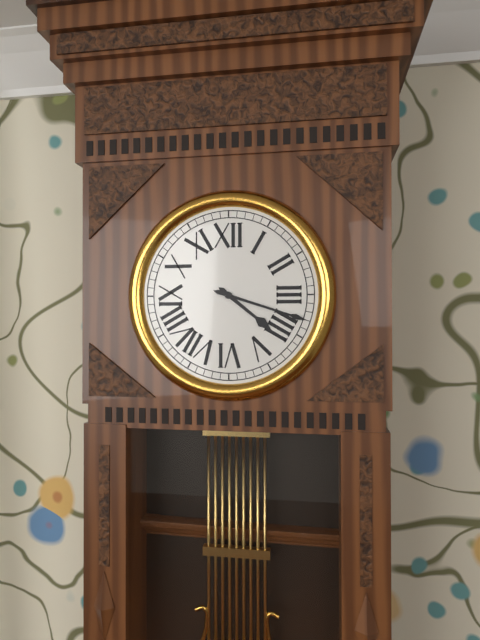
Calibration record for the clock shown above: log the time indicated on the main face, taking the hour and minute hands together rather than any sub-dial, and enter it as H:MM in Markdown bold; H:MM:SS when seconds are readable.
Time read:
**4:18**
